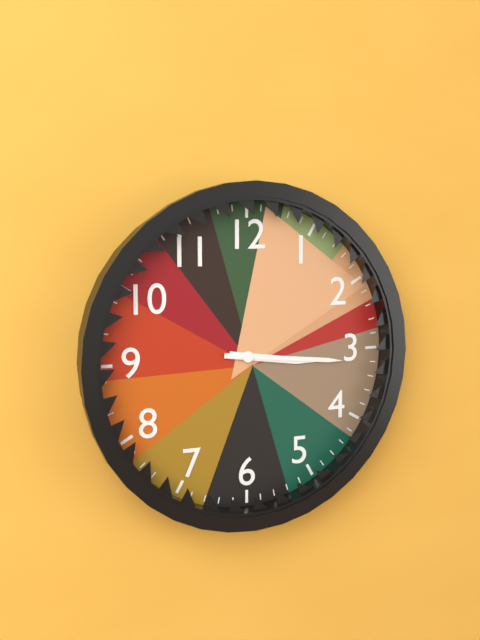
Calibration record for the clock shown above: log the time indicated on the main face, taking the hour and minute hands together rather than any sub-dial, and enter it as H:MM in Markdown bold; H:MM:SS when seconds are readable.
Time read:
**3:16**
